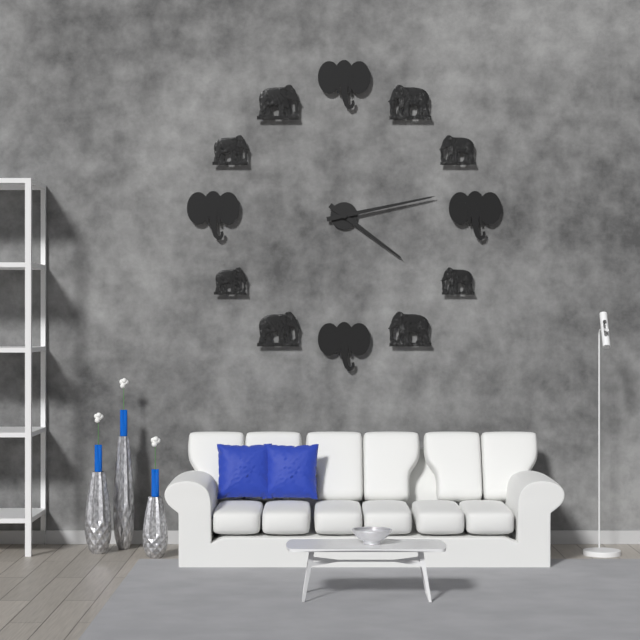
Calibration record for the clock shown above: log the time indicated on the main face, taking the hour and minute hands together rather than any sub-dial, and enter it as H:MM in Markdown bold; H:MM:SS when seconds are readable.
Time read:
**4:13**
